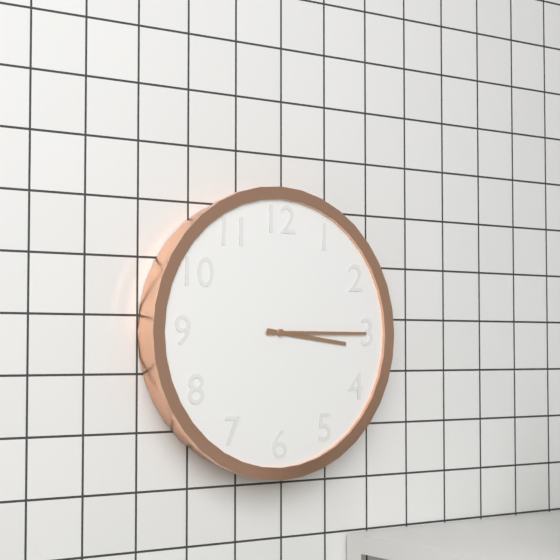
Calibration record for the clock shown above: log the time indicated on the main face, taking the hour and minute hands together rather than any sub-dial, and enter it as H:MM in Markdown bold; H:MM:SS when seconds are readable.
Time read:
**3:15**
